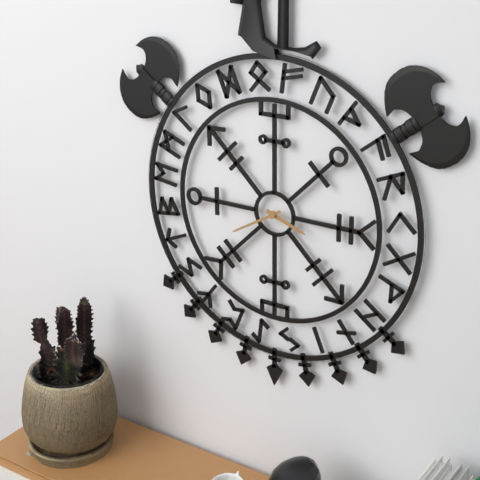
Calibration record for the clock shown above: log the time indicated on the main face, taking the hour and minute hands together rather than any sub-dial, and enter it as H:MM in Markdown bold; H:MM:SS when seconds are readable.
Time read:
**3:40**
